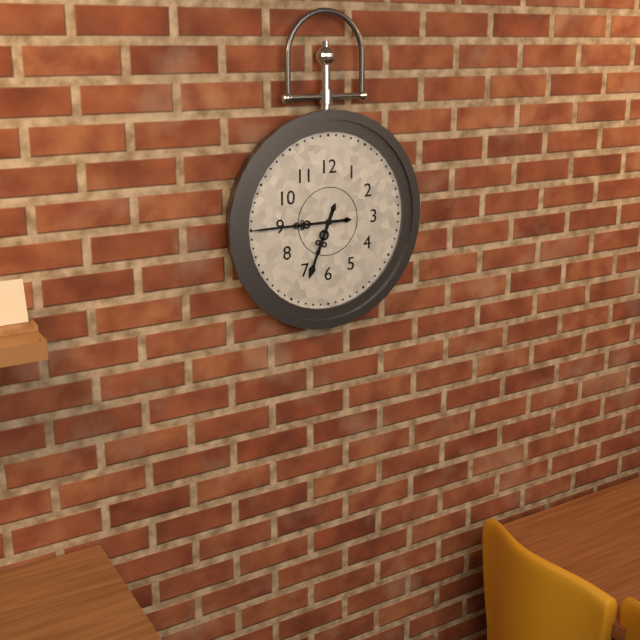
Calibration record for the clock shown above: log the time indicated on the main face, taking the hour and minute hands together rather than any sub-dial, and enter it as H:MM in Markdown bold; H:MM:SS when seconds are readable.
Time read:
**6:45**
